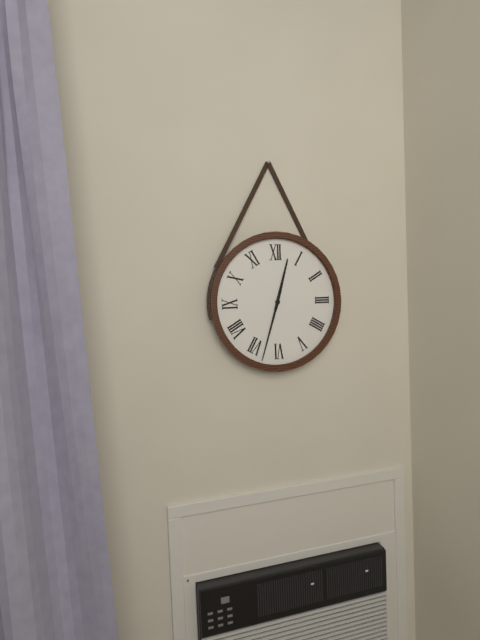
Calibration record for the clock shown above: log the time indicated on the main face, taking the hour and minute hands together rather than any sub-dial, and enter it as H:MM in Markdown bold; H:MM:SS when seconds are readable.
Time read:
**12:33**
